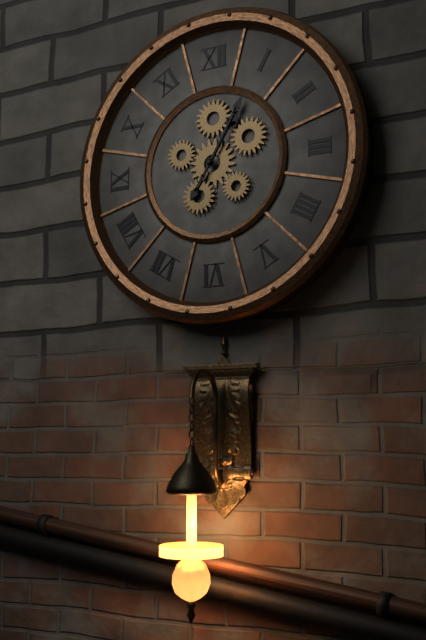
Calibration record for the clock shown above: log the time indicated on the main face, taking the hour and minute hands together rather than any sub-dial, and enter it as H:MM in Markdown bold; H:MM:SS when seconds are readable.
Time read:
**1:05**
